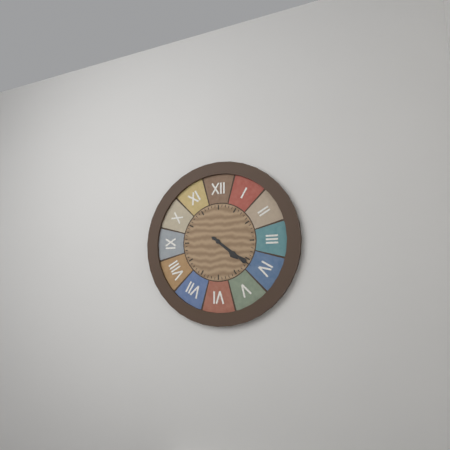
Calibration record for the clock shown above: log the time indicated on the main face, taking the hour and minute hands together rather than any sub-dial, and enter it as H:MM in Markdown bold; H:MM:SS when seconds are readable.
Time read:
**4:21**
